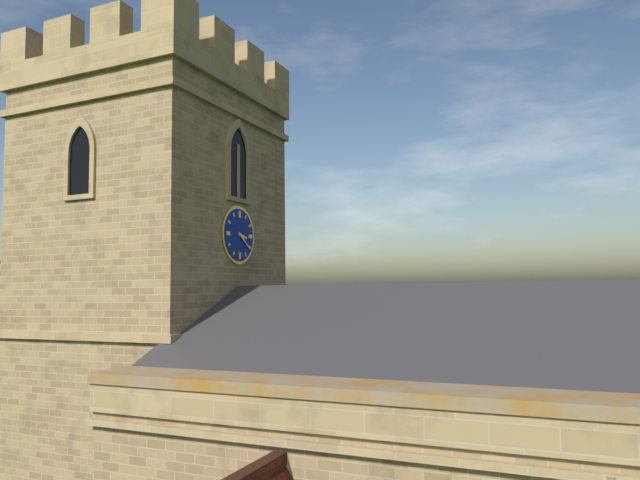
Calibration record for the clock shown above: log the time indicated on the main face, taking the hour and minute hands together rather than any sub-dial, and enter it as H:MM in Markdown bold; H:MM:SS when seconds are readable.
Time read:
**3:21**
